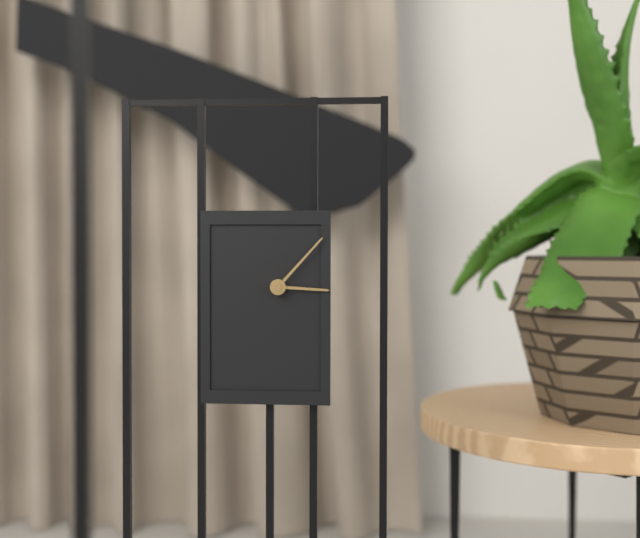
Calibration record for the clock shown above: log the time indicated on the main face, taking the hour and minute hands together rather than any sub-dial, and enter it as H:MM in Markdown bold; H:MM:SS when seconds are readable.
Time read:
**3:07**
